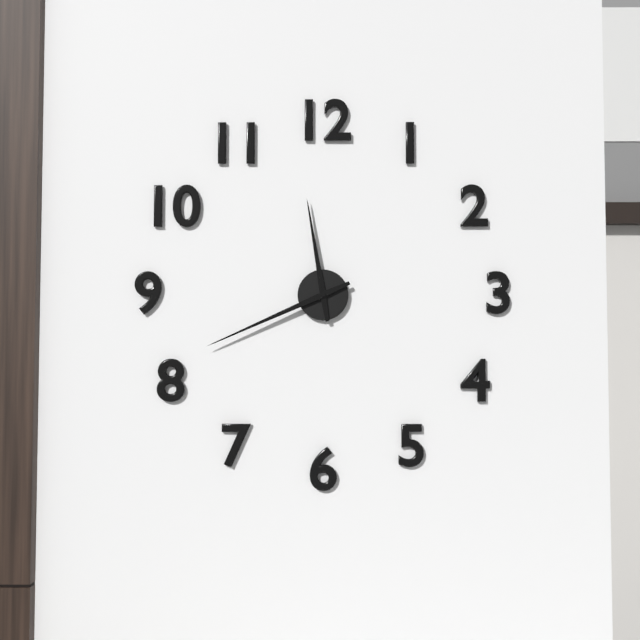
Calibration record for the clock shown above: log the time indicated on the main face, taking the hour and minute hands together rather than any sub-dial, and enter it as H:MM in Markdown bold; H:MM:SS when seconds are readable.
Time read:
**11:41**
